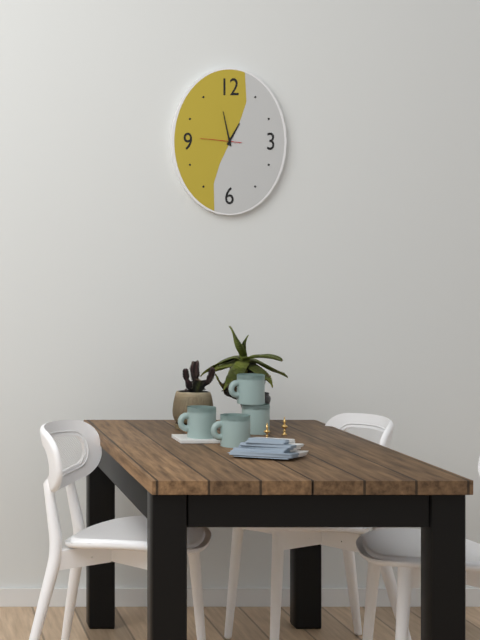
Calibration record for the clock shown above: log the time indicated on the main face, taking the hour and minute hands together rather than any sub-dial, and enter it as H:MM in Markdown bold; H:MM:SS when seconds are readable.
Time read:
**12:58**
